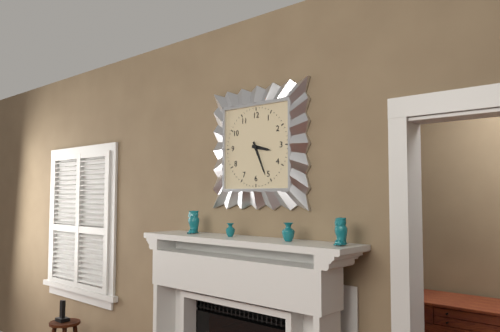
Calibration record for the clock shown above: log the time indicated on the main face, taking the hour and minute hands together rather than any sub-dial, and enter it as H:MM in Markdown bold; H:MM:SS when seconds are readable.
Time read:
**3:26**
